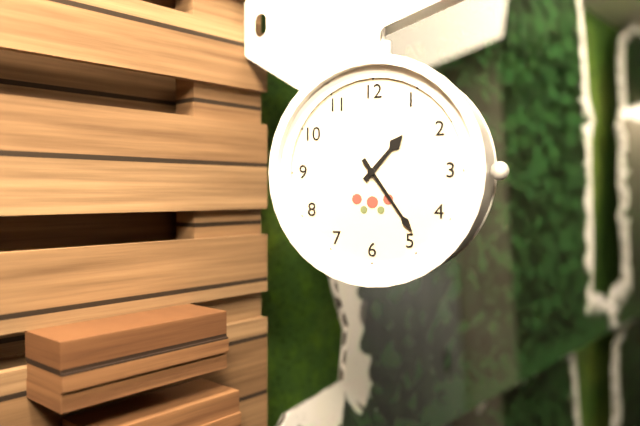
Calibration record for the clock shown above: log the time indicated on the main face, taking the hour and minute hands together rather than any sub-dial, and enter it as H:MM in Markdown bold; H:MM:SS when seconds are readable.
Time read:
**1:24**
